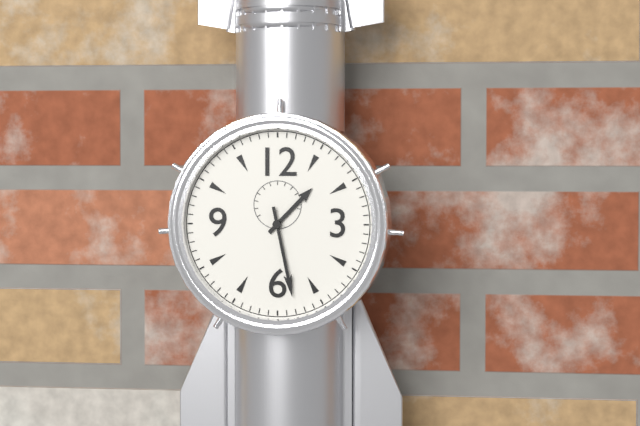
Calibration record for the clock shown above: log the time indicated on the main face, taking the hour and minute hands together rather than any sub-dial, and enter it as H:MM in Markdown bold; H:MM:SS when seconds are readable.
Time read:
**1:28**
